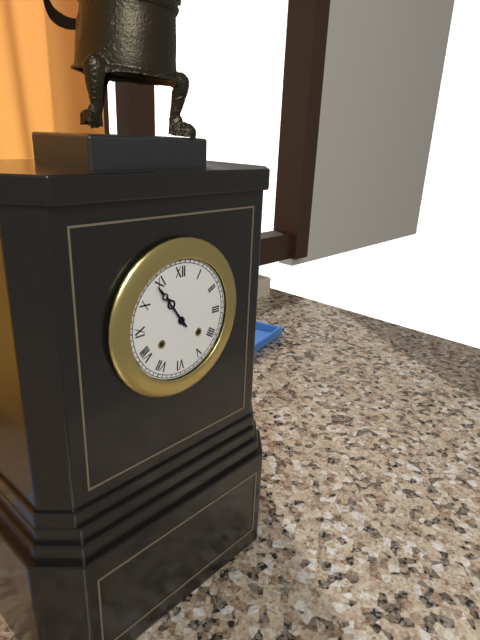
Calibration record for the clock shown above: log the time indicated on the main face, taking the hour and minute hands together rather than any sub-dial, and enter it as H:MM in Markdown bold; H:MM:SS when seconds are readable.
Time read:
**10:54**
